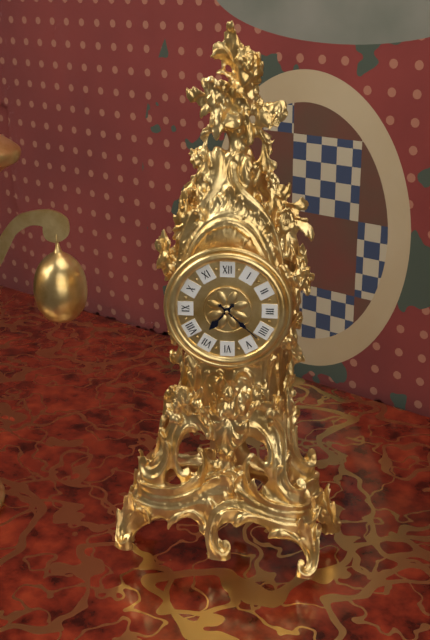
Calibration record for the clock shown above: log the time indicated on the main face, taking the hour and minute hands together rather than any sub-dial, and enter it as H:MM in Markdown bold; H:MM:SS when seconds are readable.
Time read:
**7:22**
